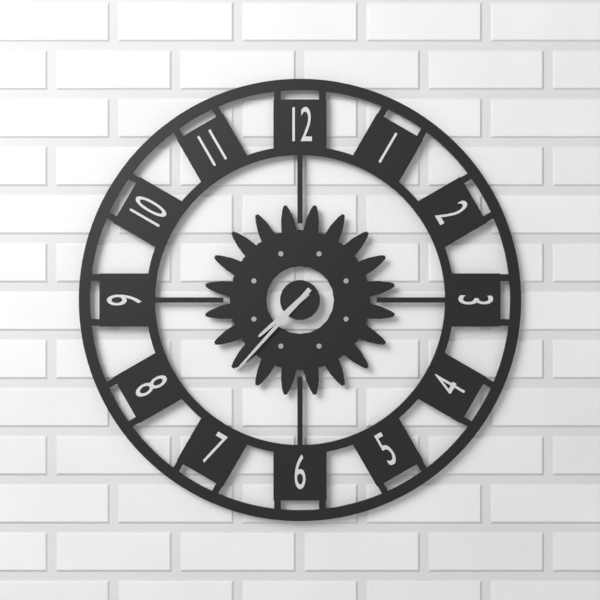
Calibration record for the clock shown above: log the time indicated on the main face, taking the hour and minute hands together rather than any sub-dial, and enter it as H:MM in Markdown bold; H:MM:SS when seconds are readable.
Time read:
**7:37**
